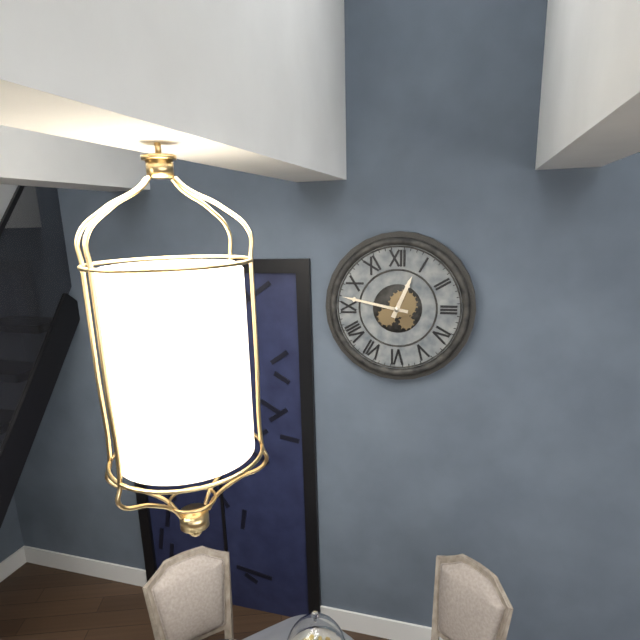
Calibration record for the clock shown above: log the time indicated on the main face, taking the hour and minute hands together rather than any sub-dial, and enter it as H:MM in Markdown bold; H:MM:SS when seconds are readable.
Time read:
**12:47**
